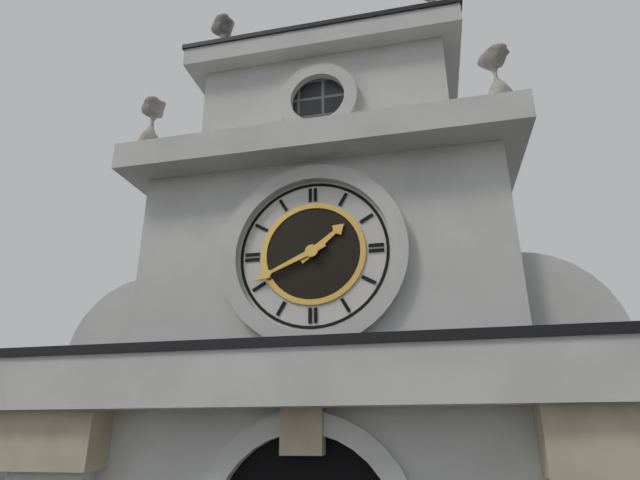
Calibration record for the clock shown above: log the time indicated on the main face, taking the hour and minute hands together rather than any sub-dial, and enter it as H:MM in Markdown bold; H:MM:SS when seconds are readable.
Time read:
**1:41**
